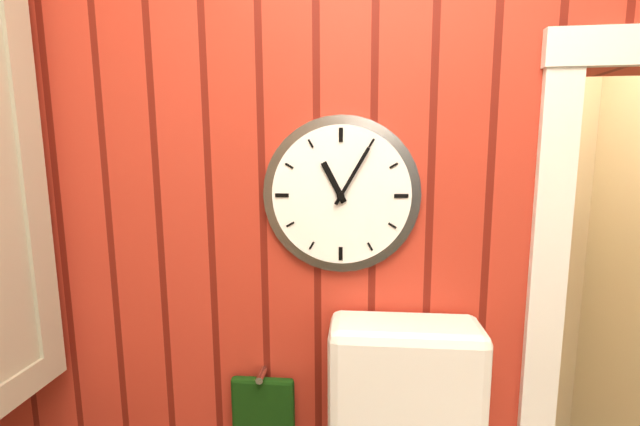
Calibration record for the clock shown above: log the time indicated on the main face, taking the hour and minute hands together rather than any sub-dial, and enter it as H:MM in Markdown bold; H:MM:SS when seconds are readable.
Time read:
**11:05**
